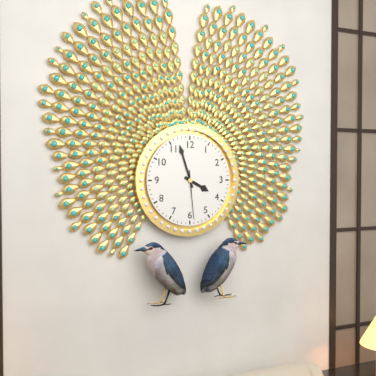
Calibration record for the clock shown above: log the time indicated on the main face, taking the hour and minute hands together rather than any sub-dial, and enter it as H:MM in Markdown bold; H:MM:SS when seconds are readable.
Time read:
**3:57**
